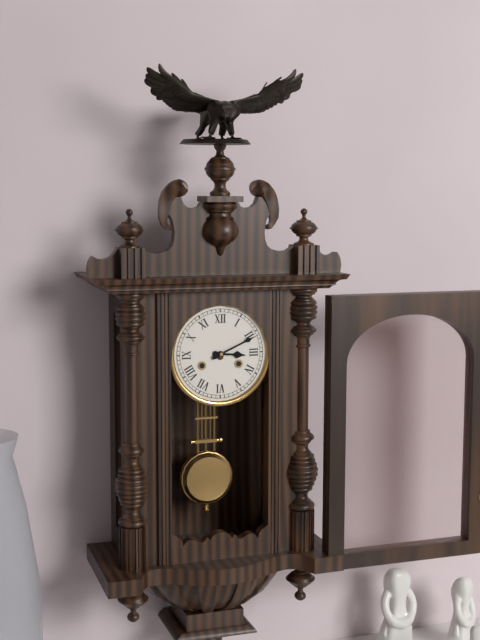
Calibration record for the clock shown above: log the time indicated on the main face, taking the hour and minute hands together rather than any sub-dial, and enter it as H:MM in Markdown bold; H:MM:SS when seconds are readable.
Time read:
**3:11**
